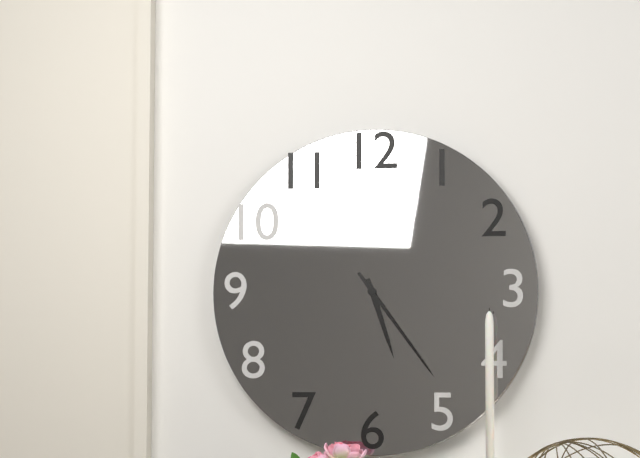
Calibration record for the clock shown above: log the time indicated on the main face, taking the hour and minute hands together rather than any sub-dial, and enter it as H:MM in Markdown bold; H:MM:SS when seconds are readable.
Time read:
**5:24**
